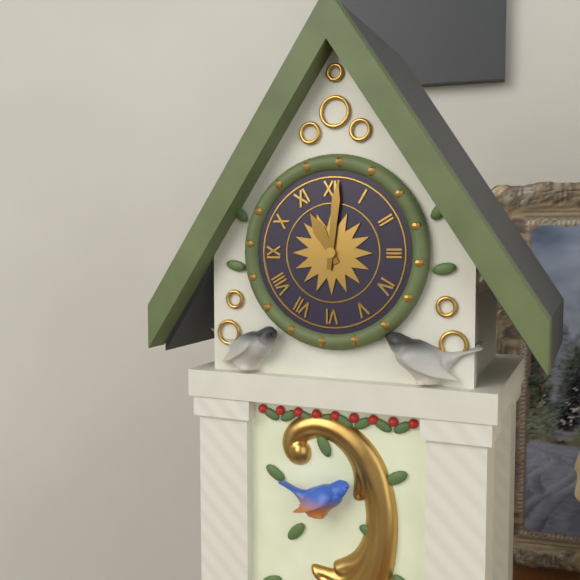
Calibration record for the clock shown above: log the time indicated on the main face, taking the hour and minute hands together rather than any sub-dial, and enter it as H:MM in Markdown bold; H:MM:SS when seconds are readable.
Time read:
**11:01**
